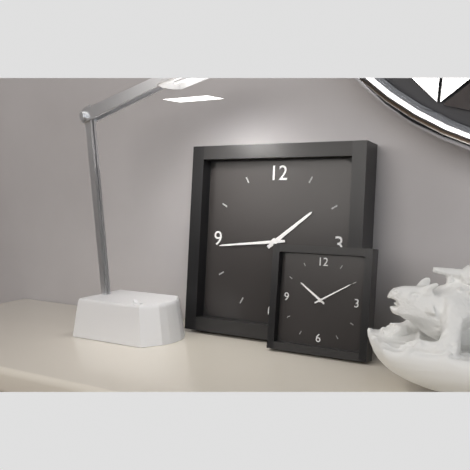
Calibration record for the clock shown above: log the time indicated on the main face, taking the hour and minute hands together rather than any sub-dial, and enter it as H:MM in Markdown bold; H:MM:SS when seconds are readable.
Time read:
**1:44**
